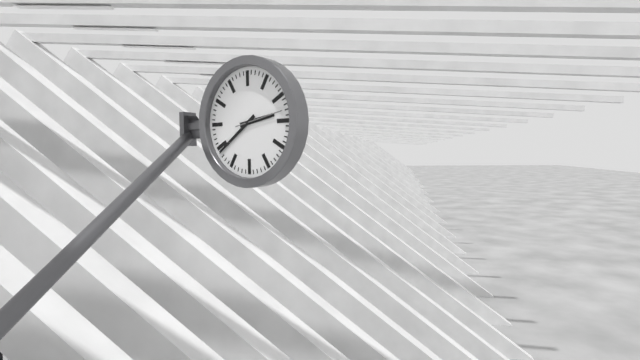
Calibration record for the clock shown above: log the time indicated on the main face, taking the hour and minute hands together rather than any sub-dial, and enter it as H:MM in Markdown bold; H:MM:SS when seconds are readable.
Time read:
**2:39**
